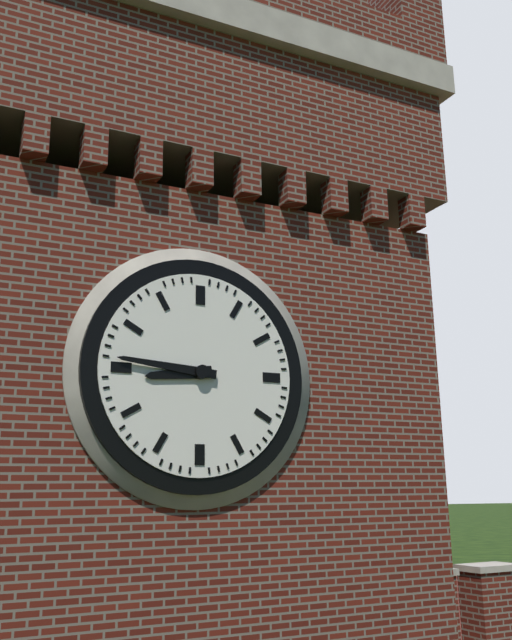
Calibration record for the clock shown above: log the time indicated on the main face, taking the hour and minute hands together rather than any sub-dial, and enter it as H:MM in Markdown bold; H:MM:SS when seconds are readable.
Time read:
**8:46**
